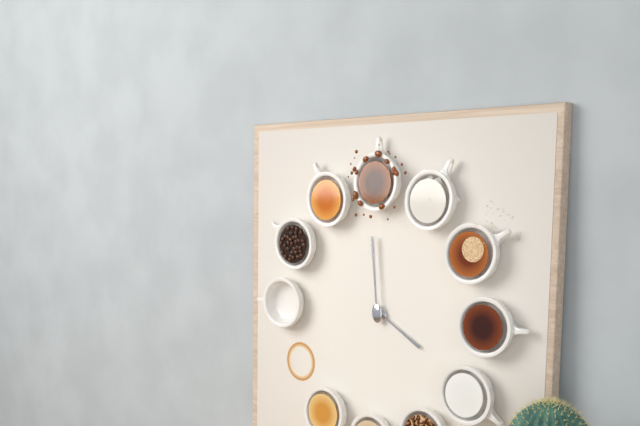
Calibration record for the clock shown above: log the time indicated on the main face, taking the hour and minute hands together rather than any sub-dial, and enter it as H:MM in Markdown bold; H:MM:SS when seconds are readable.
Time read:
**3:59**
